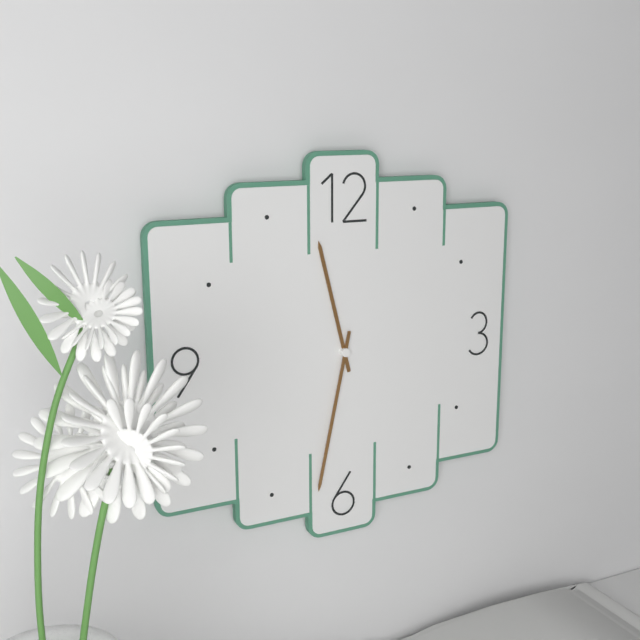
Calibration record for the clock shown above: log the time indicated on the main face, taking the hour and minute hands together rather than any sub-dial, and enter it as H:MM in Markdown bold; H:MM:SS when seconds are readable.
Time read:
**11:32**
